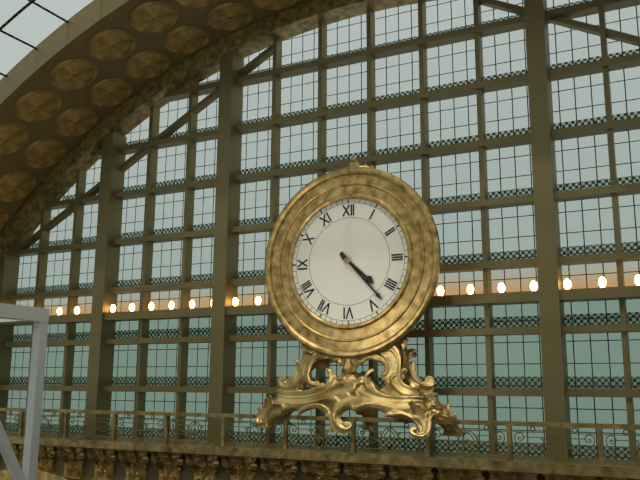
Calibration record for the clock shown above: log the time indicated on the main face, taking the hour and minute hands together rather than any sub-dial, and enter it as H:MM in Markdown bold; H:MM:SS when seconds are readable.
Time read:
**4:23**
